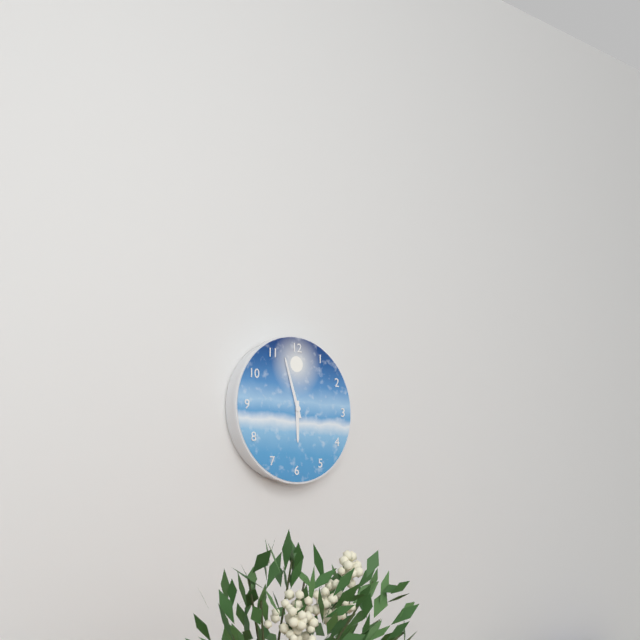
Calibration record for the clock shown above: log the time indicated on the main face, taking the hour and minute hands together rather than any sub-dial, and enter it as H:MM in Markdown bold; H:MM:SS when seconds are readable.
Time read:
**5:57**
